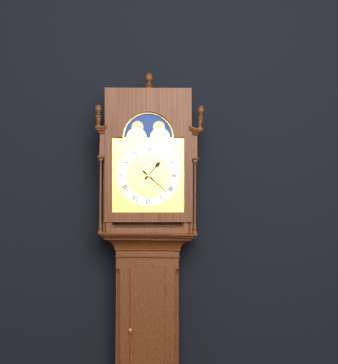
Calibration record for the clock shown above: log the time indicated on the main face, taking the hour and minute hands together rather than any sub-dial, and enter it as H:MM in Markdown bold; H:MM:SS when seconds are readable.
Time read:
**1:22**
